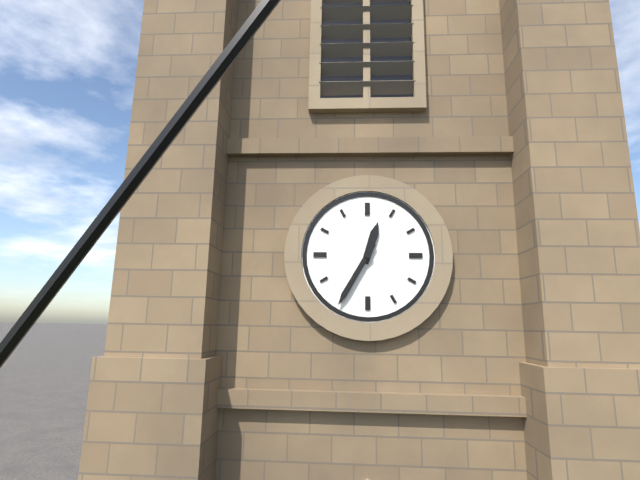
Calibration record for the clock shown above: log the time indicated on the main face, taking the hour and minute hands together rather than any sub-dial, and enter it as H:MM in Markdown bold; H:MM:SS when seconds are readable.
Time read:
**12:35**
